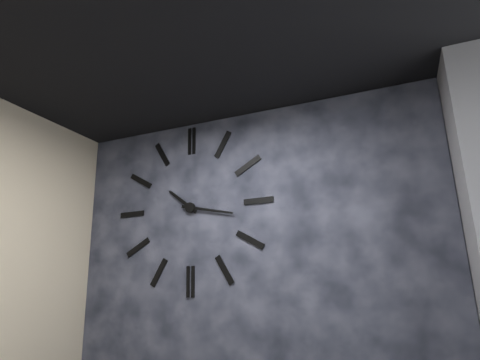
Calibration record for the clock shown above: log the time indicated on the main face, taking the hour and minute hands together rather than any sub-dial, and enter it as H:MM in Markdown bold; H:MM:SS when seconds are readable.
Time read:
**10:17**
